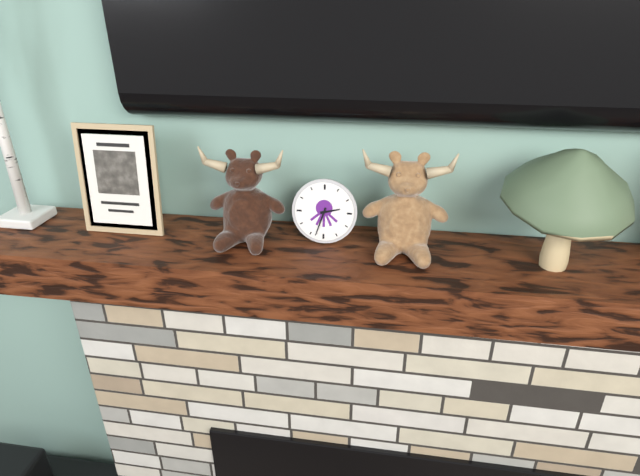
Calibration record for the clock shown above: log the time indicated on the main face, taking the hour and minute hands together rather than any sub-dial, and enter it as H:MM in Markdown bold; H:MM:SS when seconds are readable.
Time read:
**2:33**
